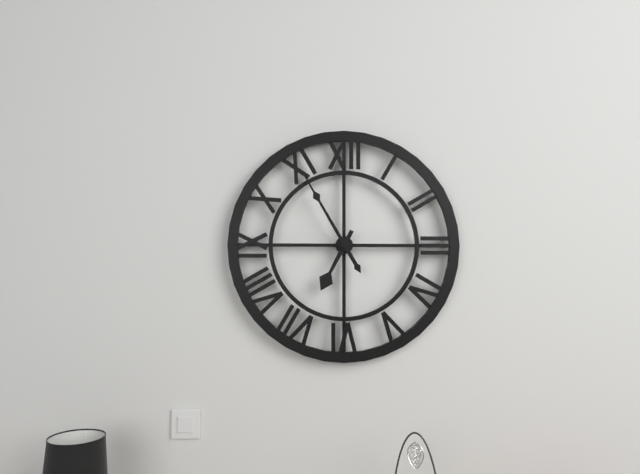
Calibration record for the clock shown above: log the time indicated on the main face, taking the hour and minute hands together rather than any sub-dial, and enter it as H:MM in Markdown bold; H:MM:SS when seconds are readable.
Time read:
**6:55**
